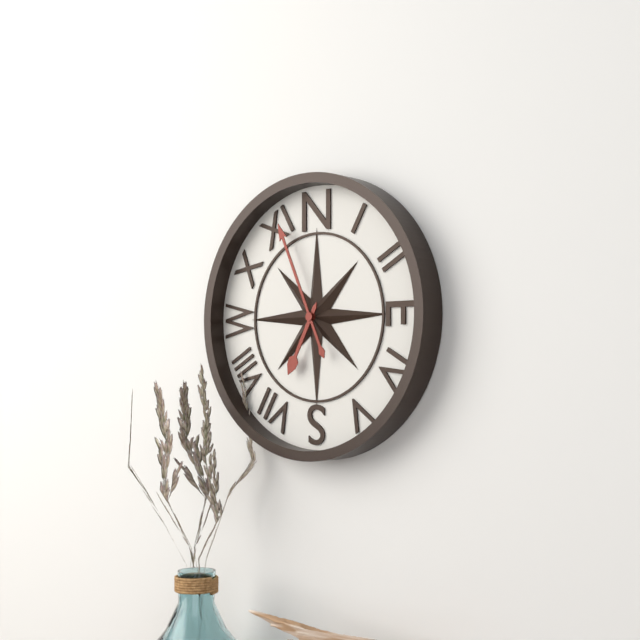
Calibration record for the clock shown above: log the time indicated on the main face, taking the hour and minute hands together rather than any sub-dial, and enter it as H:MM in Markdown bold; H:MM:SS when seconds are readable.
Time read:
**6:56**
